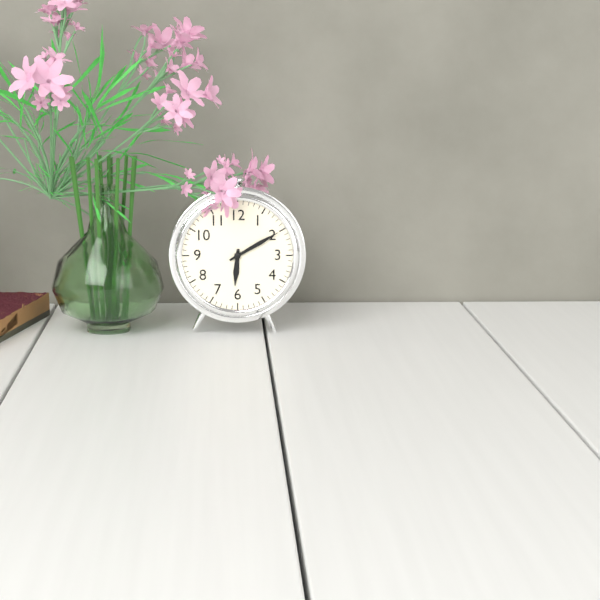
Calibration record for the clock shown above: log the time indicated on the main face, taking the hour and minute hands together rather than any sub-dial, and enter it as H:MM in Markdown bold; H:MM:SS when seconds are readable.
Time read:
**6:10**
